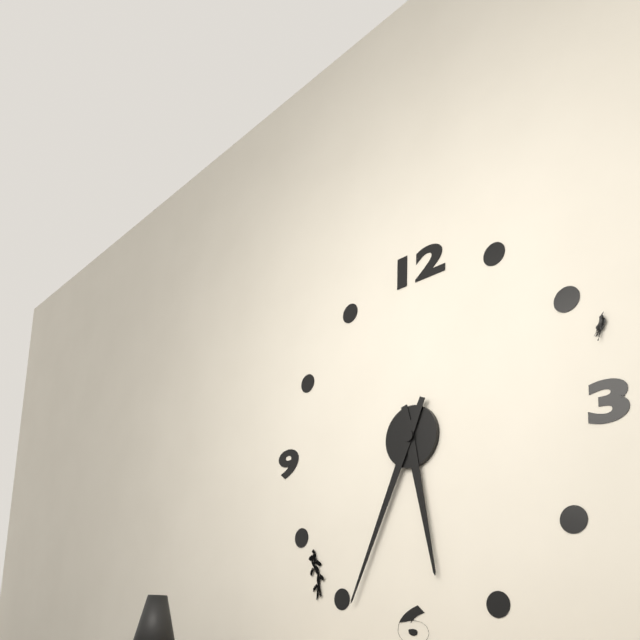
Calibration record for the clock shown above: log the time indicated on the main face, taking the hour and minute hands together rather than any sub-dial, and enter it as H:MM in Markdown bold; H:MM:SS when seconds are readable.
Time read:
**5:34**
